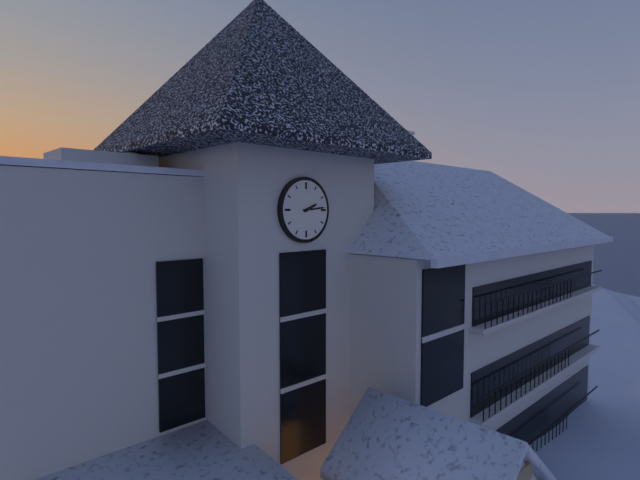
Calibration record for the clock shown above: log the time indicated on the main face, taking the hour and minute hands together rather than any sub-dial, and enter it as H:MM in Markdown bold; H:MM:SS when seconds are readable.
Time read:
**2:14**
